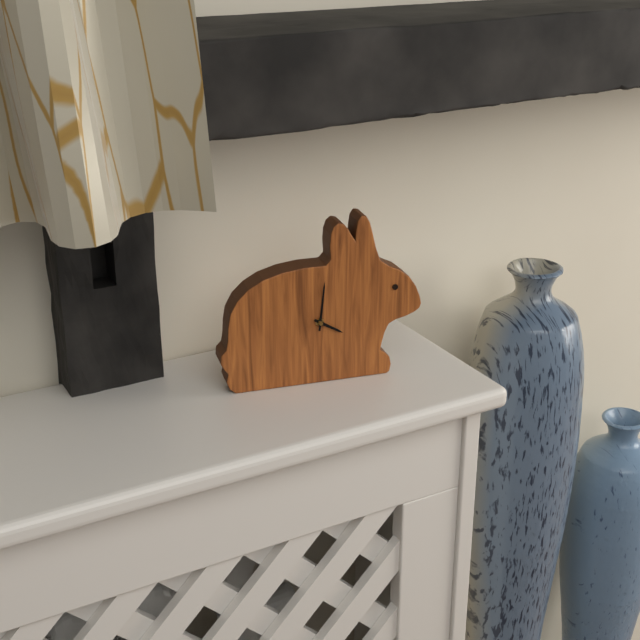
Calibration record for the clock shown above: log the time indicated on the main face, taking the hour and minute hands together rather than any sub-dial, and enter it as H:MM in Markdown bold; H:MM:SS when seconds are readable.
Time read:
**4:01**
